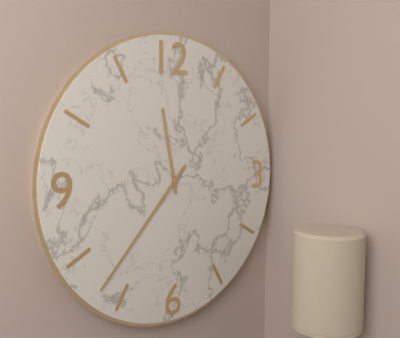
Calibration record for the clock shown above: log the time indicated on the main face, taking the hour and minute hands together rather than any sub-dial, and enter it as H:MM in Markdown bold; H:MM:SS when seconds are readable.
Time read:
**11:37**
